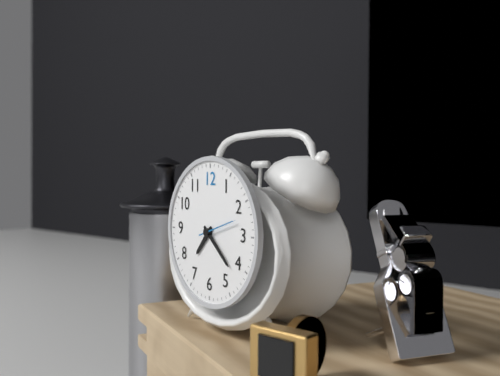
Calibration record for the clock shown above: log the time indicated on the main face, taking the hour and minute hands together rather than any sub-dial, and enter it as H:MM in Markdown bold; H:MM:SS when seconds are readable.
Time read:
**7:22**
